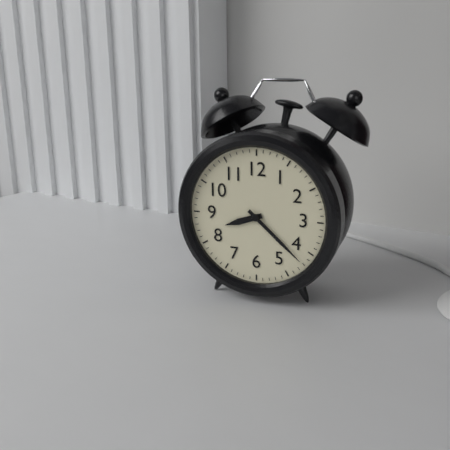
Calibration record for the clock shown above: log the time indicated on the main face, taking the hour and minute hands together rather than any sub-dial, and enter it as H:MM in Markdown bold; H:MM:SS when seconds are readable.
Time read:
**8:22**
